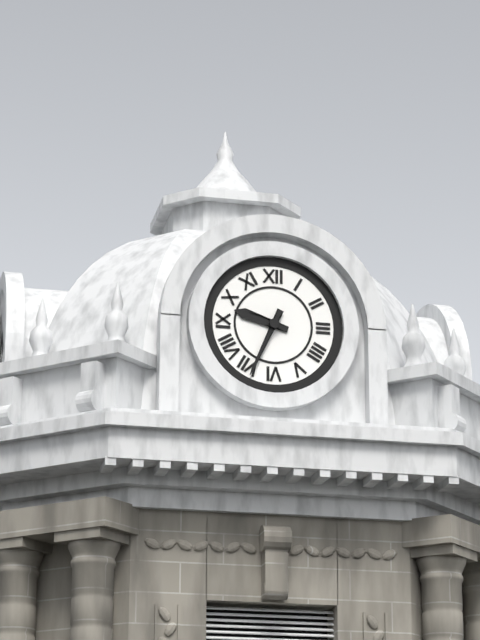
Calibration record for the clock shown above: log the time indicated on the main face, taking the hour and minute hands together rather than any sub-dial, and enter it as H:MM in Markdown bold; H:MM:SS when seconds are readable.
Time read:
**9:34**
